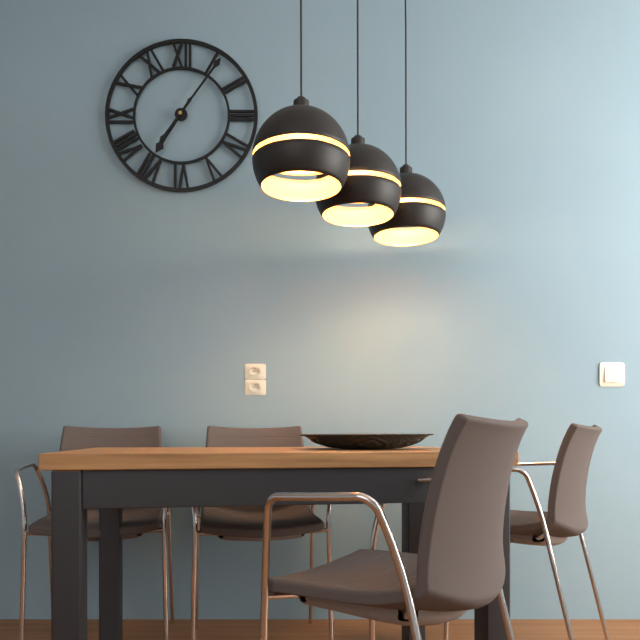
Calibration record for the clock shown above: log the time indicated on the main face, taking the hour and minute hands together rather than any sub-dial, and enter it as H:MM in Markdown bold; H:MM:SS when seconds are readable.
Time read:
**7:06**
